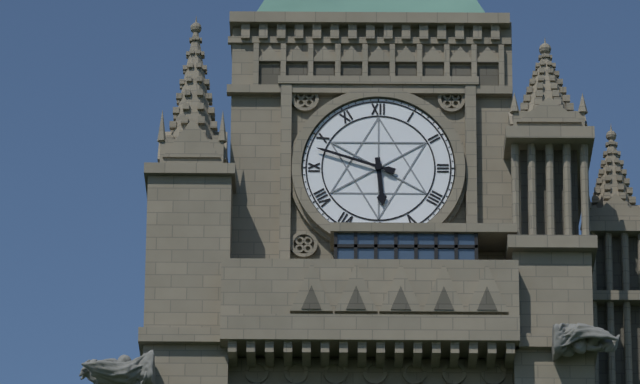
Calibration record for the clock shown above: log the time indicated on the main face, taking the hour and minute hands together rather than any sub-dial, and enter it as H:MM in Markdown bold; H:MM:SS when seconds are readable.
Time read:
**5:48**
